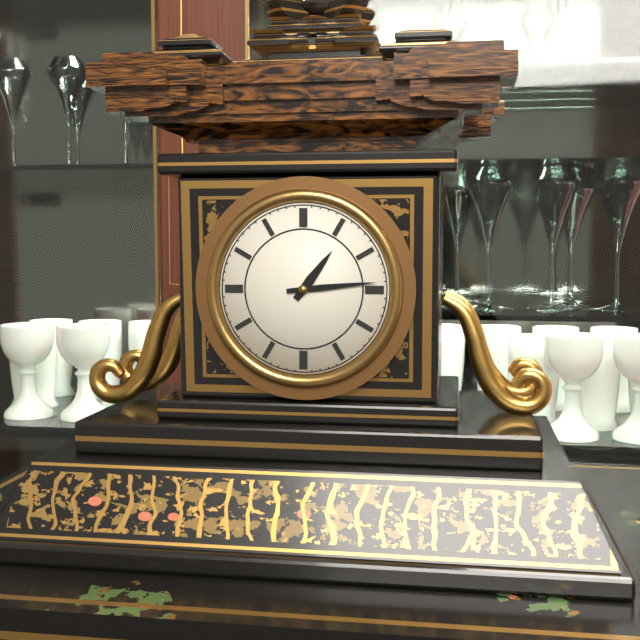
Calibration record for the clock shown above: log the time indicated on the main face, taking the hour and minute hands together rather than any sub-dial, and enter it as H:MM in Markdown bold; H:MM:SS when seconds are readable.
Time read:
**1:14**
